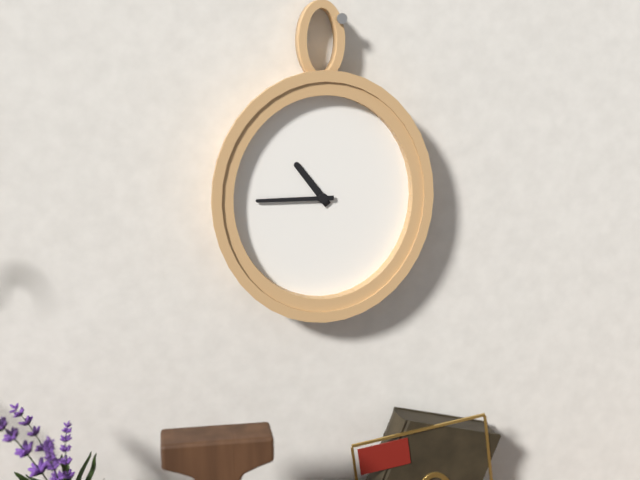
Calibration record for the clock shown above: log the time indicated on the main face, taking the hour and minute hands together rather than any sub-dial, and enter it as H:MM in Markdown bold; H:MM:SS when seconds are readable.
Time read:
**10:45**
